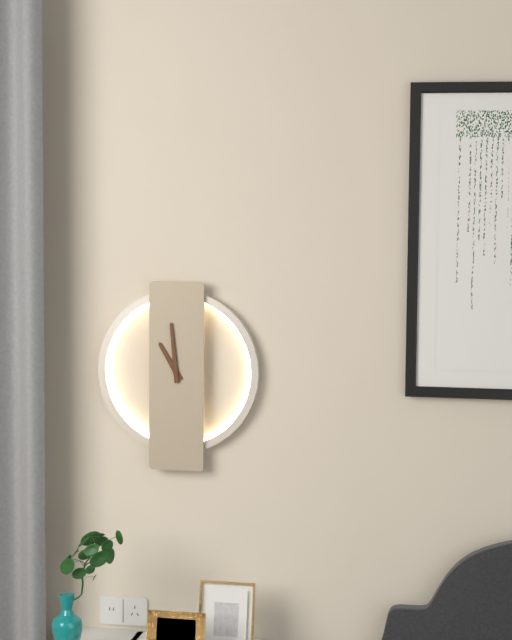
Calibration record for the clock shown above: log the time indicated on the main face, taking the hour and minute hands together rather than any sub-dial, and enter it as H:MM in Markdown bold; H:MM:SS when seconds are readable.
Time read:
**10:59**
